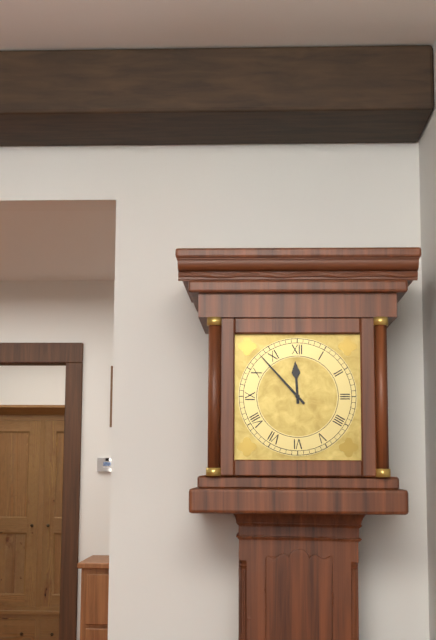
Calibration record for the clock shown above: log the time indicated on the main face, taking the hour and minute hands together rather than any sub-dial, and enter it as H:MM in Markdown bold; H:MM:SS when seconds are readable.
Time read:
**11:53**
